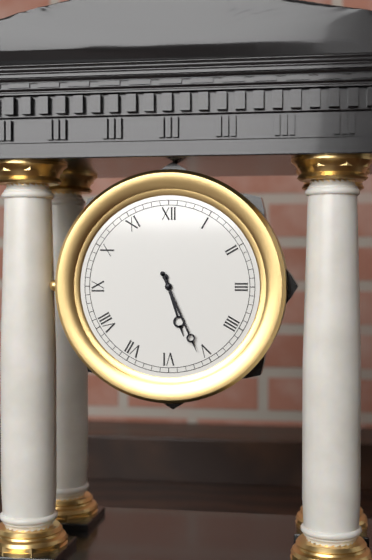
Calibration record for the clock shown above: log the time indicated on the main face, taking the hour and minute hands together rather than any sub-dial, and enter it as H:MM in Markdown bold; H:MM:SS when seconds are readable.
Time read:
**5:26**
